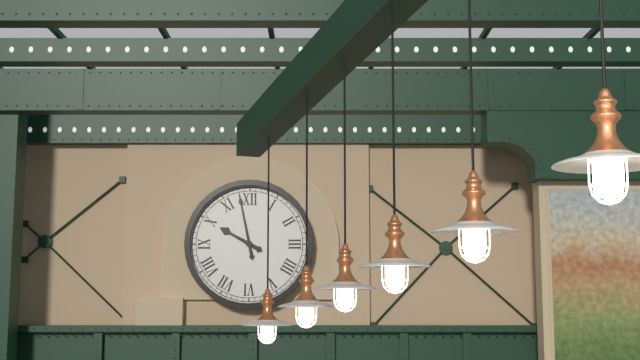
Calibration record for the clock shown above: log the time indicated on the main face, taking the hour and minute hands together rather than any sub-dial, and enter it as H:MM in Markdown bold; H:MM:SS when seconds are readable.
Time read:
**9:58**
